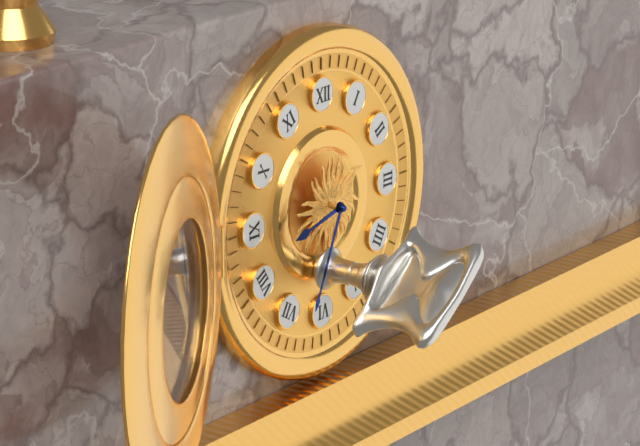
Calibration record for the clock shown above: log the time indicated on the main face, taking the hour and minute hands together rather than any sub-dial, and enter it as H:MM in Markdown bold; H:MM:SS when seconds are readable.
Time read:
**8:34**
